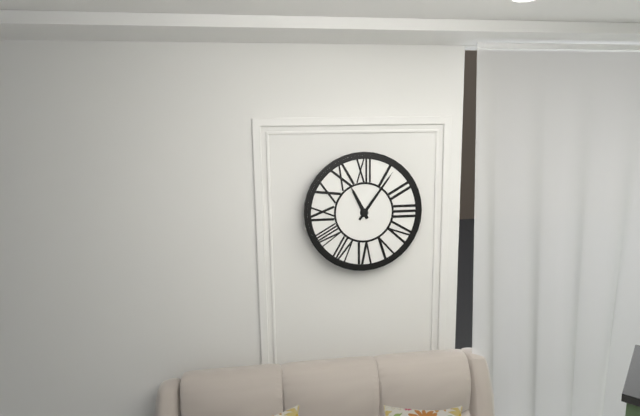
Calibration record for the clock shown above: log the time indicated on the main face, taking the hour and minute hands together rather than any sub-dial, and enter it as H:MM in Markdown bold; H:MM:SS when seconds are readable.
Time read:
**11:06**
